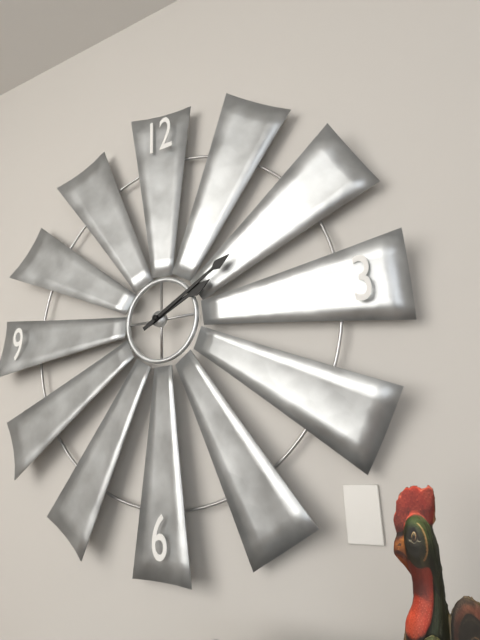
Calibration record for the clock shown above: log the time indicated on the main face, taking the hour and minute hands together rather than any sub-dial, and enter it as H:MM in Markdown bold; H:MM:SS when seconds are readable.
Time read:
**2:10**
